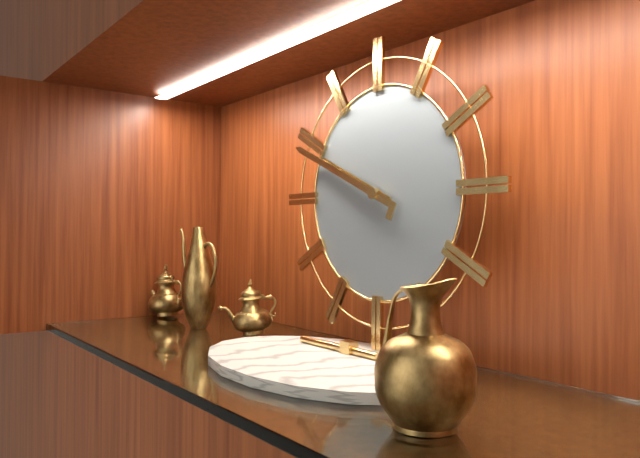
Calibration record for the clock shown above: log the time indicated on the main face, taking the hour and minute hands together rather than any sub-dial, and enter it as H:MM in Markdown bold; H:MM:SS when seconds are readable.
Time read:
**9:49**
